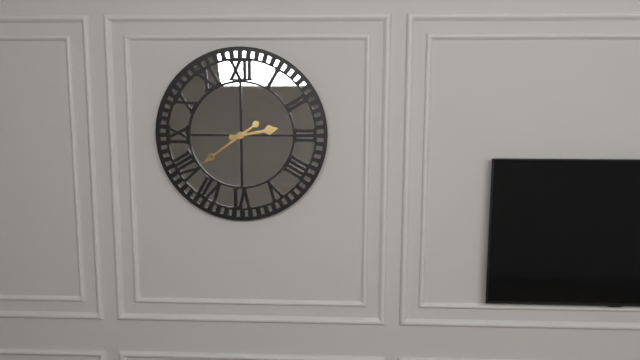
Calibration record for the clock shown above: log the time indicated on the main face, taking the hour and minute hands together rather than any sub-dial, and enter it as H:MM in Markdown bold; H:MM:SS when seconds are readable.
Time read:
**2:39**
